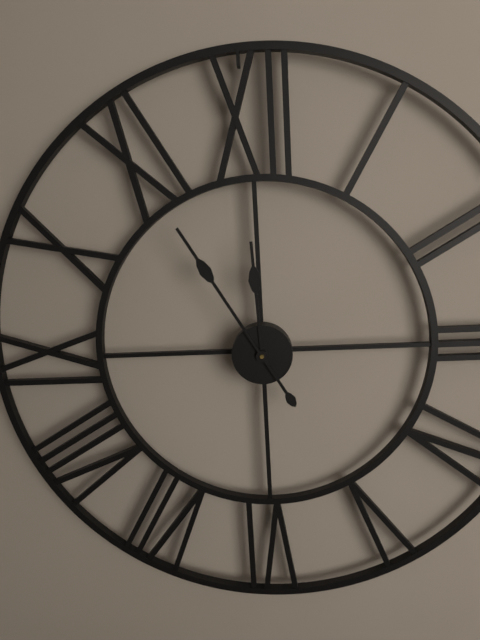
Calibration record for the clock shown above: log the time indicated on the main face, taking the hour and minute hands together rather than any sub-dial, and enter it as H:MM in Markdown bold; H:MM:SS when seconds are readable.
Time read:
**11:55**
